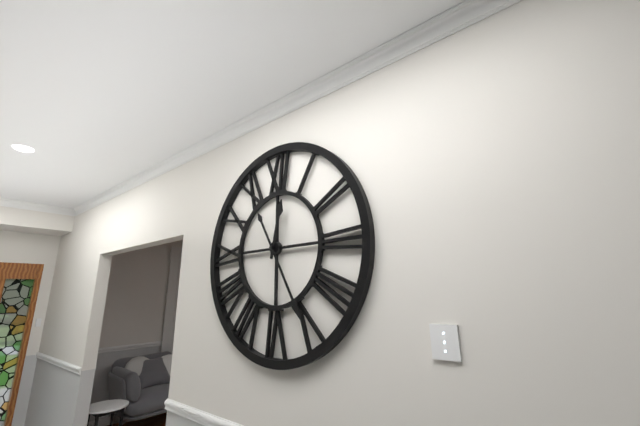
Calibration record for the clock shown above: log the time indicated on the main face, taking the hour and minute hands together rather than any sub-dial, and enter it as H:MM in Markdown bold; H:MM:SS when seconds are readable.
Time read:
**12:25**
